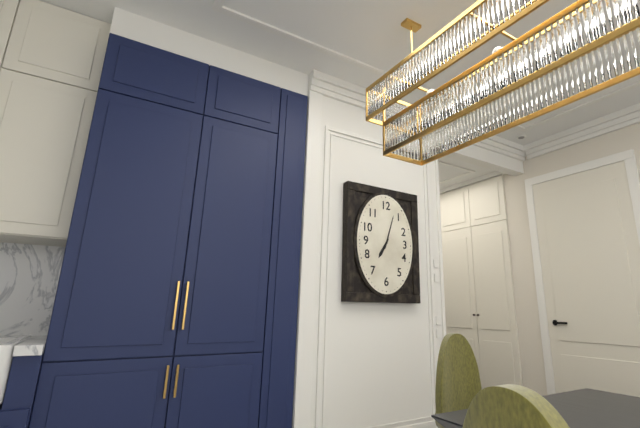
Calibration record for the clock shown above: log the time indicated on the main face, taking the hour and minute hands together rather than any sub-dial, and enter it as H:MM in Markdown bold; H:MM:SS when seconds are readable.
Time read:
**7:03**
